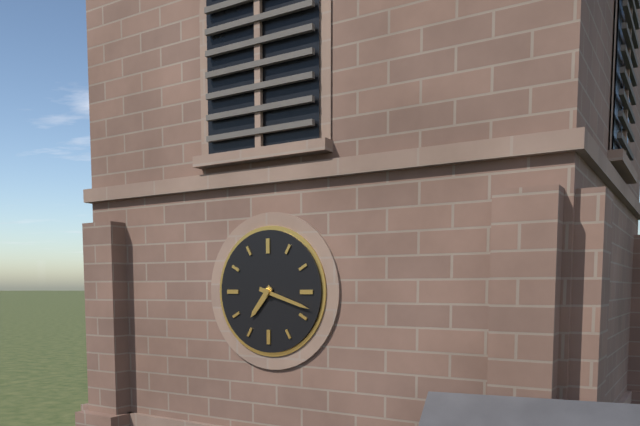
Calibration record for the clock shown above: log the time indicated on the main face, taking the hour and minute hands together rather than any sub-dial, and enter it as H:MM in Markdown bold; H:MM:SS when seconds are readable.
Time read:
**7:18**
